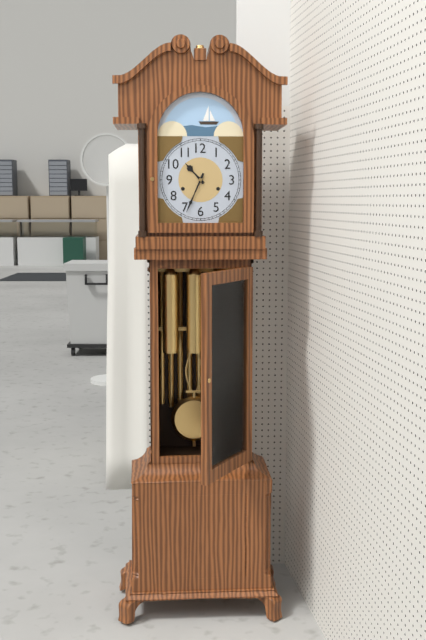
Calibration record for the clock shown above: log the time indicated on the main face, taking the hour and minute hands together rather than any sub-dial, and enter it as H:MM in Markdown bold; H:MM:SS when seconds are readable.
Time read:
**10:34**
